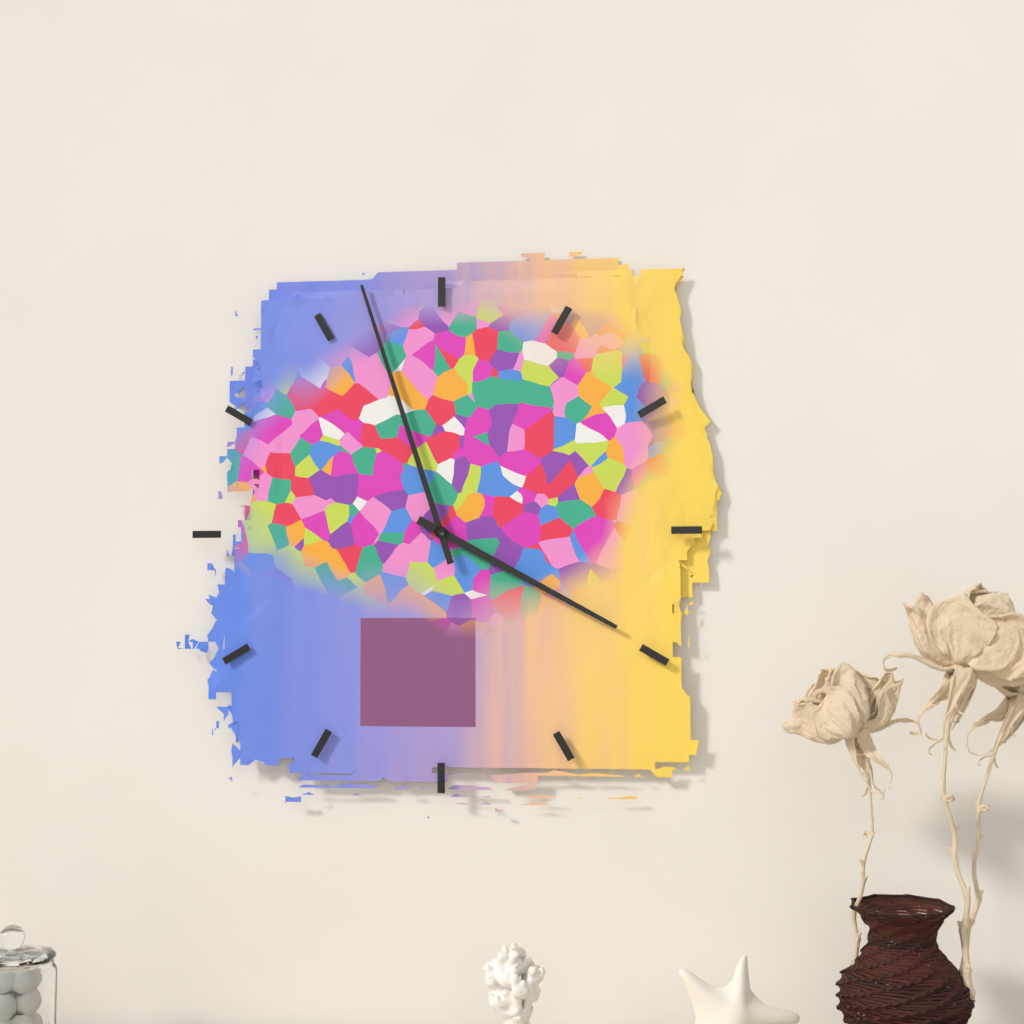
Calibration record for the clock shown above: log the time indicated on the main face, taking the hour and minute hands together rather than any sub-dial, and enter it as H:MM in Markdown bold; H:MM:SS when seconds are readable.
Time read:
**3:57**
